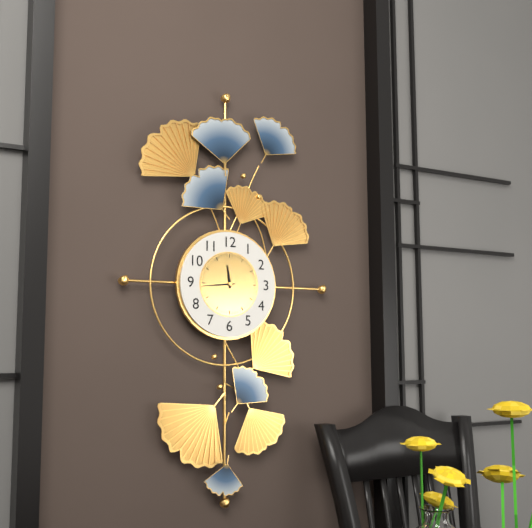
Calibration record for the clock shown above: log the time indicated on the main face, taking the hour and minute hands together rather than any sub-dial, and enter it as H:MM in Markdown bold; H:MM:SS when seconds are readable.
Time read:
**11:44**
